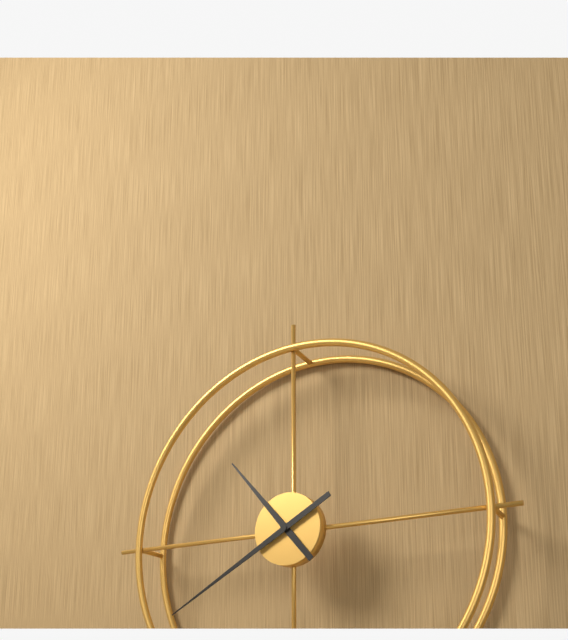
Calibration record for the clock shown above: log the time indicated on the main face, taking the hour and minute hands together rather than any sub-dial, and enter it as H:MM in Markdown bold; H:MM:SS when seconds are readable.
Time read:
**10:40**
